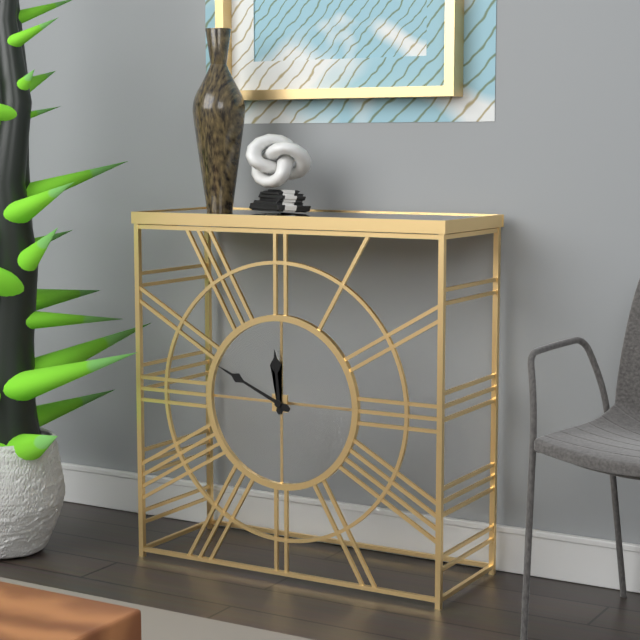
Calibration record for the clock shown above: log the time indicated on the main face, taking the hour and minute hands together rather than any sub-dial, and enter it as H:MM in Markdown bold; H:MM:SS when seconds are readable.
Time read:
**11:49**
